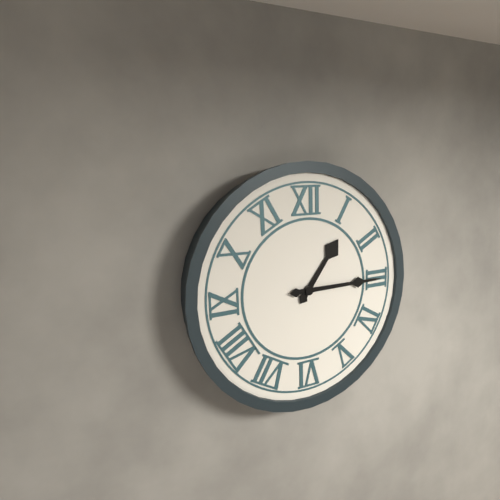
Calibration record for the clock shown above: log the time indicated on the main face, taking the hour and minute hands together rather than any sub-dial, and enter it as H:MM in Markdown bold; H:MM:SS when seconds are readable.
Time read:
**1:15**
